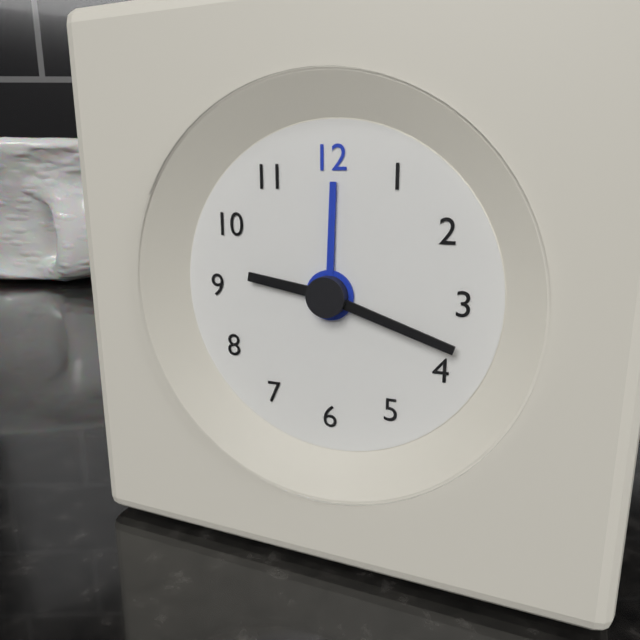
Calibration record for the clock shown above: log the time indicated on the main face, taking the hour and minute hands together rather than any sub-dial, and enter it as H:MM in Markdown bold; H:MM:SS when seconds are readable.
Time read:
**9:18**
